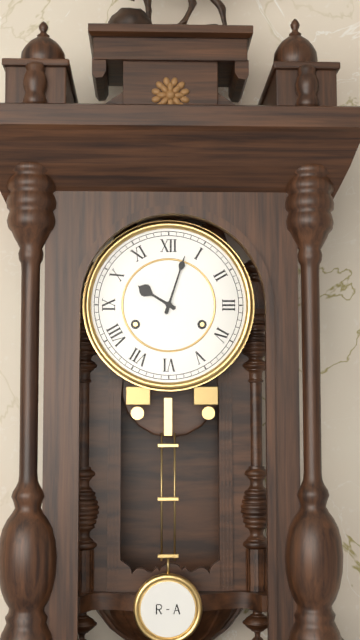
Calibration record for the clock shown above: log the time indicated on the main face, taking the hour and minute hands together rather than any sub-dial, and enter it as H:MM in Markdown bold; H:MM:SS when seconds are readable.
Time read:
**10:03**
